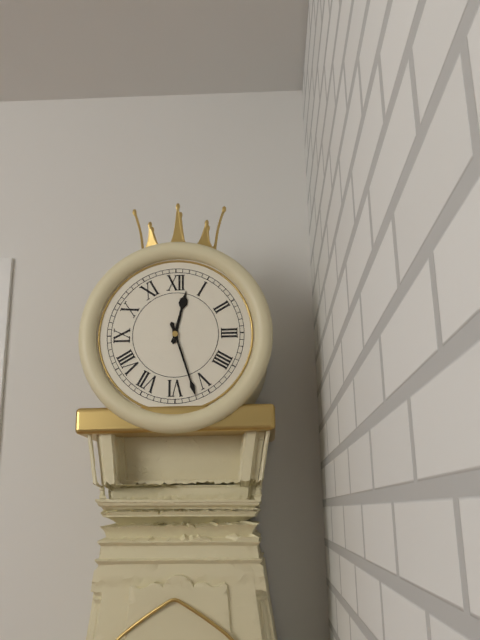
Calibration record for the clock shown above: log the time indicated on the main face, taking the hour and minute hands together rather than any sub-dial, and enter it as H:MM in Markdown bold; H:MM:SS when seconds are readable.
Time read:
**12:27**
